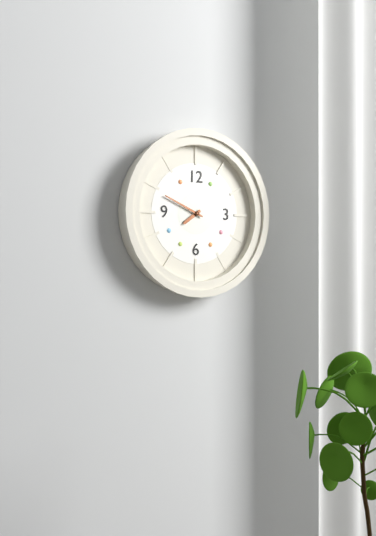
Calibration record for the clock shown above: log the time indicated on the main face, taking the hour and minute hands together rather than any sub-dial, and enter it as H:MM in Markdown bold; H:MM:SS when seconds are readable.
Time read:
**7:49**
